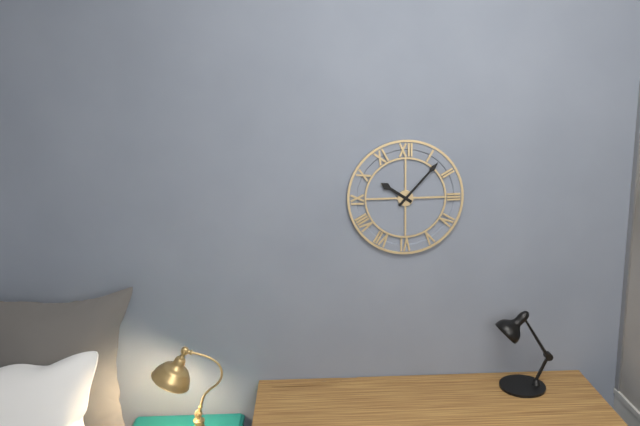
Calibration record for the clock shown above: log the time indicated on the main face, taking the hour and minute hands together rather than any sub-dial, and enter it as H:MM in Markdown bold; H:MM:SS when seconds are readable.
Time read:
**10:07**
